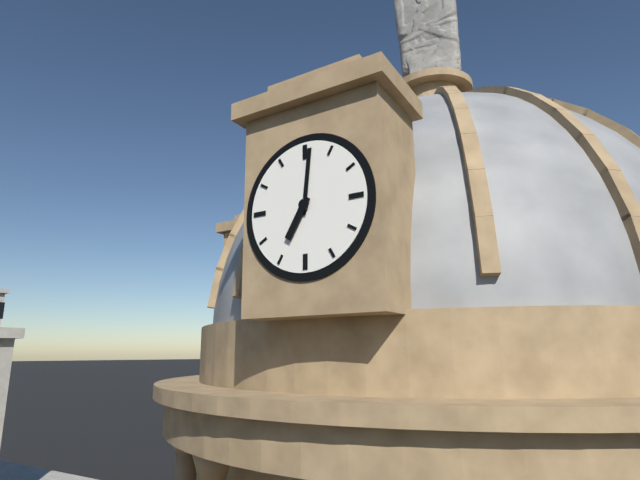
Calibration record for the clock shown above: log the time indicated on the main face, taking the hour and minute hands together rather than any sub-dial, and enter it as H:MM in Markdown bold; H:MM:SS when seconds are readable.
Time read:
**7:01**
